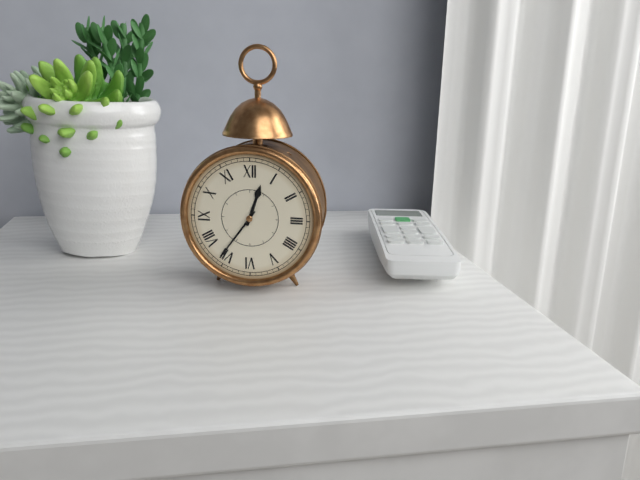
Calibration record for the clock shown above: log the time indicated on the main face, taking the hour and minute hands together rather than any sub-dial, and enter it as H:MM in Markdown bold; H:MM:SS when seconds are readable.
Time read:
**12:36**
